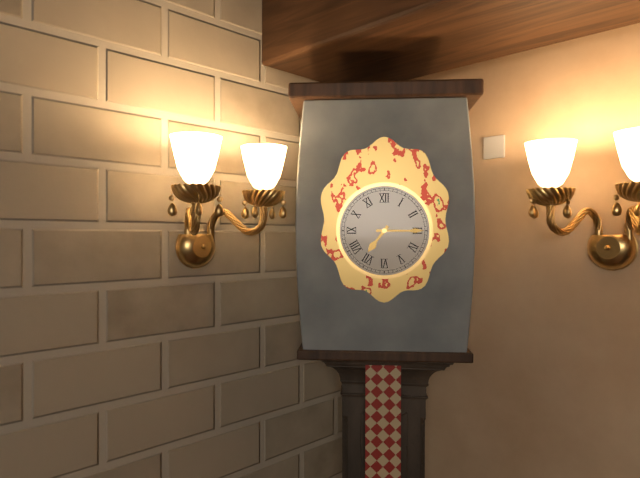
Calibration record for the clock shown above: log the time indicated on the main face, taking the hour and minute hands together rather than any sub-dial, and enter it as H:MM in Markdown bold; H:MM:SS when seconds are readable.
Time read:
**7:15**
